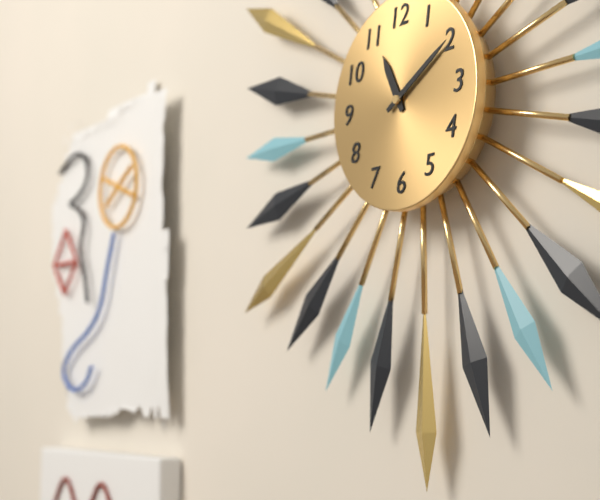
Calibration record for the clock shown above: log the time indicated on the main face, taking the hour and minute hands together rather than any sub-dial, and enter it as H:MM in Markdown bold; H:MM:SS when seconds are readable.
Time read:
**11:10**
